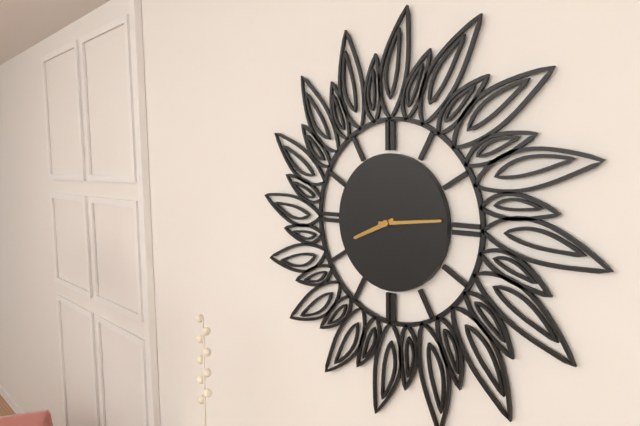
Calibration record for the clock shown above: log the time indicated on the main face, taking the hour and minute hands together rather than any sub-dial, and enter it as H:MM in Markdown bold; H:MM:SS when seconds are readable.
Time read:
**8:14**
